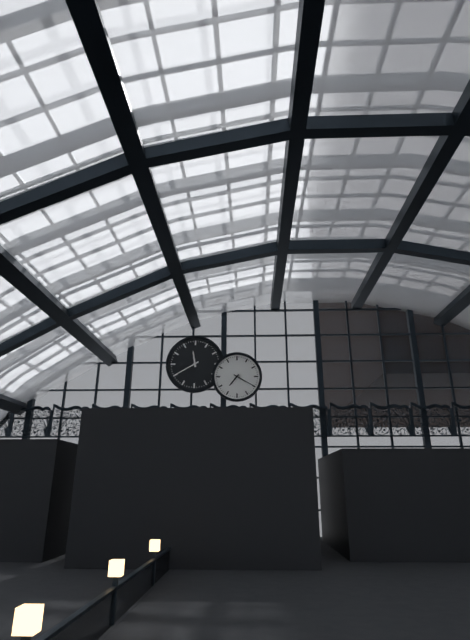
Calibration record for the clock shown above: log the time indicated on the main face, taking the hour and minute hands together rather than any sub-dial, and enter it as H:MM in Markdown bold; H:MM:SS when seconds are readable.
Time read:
**7:20**
